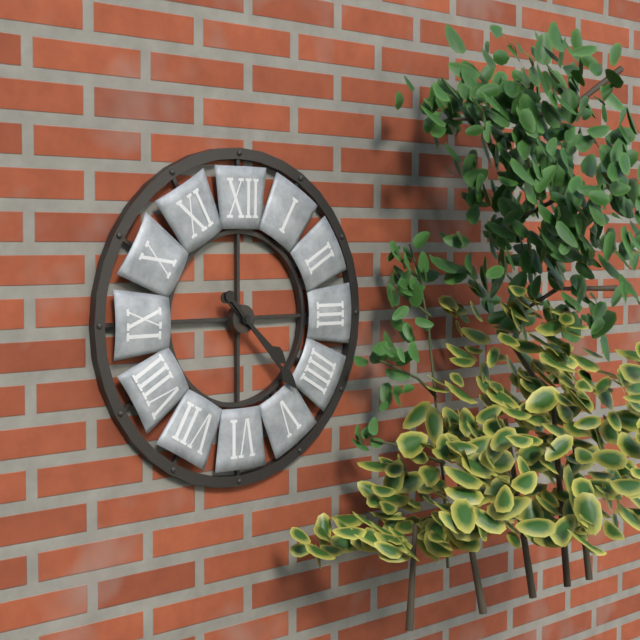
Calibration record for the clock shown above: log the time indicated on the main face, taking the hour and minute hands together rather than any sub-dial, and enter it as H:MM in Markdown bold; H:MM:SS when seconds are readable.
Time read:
**4:23**
